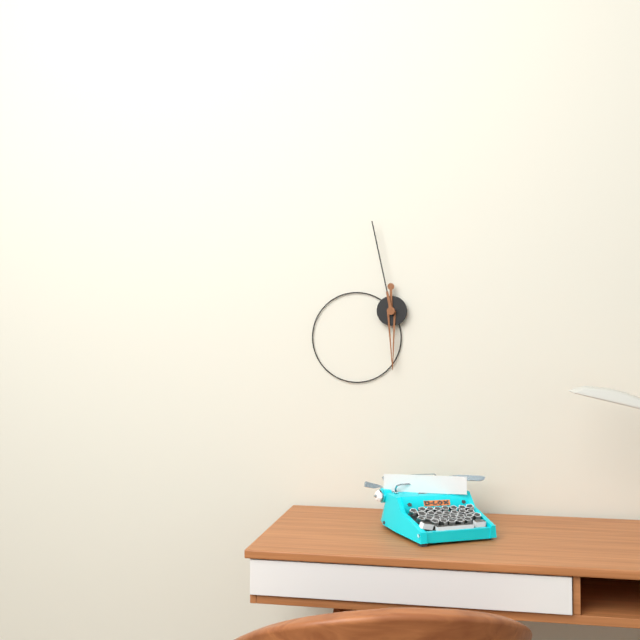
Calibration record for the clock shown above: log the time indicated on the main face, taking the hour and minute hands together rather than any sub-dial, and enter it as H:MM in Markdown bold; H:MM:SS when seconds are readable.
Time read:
**5:58**
